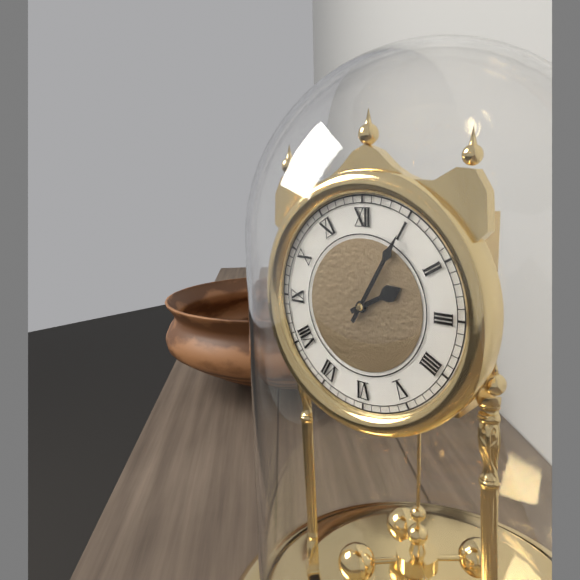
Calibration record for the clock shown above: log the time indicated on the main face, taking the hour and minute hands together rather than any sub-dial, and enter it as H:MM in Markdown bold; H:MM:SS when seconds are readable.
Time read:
**2:05**
